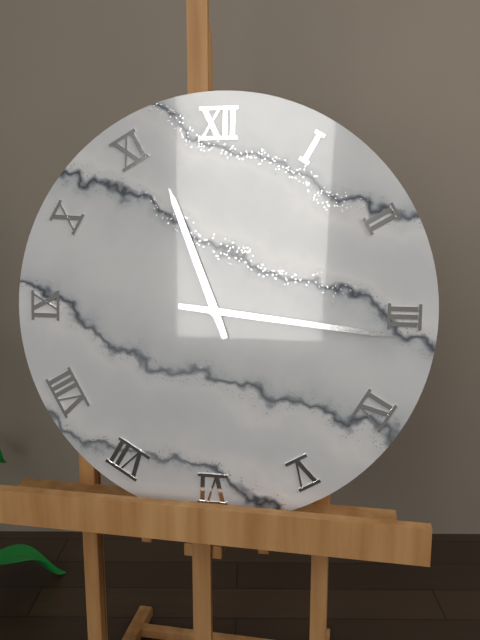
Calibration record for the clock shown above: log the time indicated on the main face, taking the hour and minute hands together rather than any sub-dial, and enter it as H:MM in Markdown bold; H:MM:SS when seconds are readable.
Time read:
**11:16**
